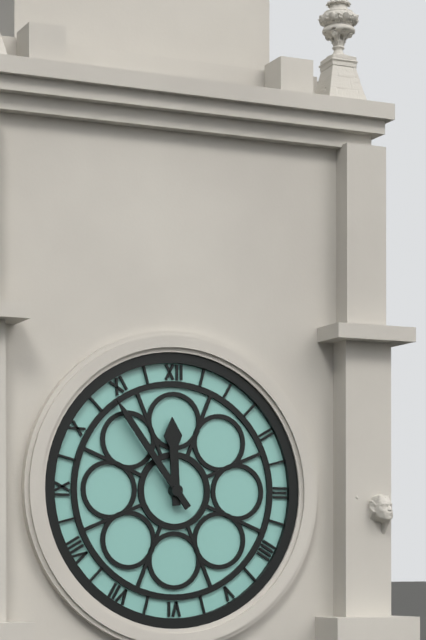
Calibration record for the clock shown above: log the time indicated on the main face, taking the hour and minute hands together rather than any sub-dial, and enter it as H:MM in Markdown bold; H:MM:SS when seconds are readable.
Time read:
**11:54**
